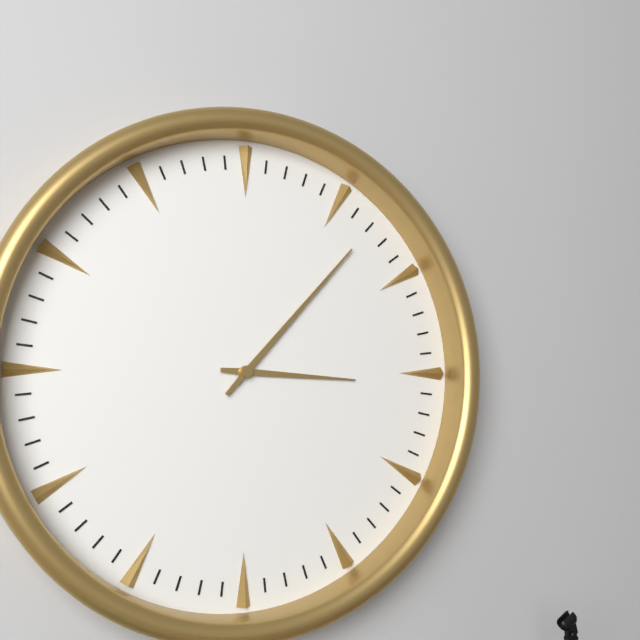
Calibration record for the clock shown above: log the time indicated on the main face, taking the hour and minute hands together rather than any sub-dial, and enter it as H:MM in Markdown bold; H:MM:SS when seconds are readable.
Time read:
**3:07**
